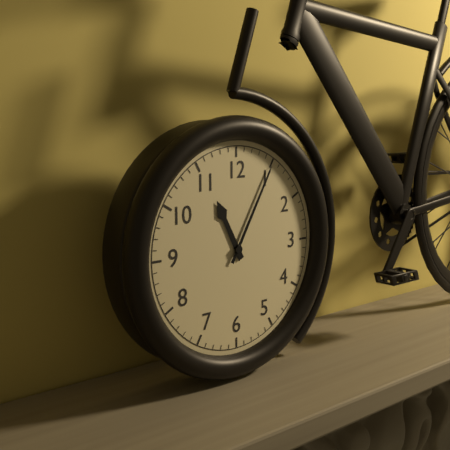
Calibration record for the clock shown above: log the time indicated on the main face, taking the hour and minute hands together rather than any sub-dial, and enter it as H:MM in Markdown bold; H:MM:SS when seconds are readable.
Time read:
**11:05**
